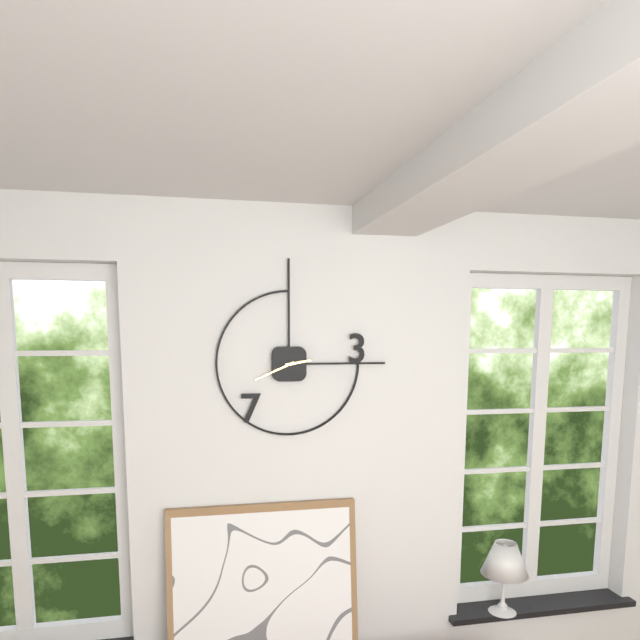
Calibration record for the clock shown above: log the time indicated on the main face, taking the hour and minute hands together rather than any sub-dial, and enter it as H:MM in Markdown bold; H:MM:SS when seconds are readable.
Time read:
**2:41**
